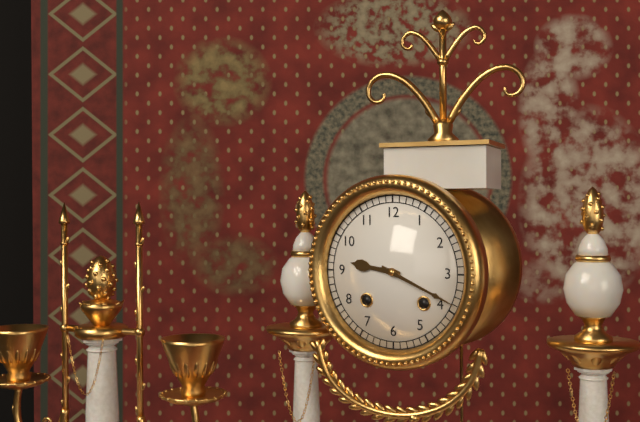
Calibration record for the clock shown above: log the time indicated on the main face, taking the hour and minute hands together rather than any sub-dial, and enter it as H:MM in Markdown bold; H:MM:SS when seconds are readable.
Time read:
**9:19**
